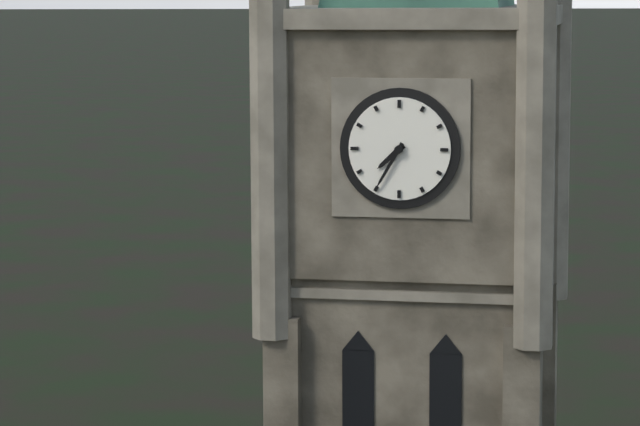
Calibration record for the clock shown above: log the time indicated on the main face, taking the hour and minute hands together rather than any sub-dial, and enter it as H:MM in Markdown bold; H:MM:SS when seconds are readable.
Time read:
**7:35**
